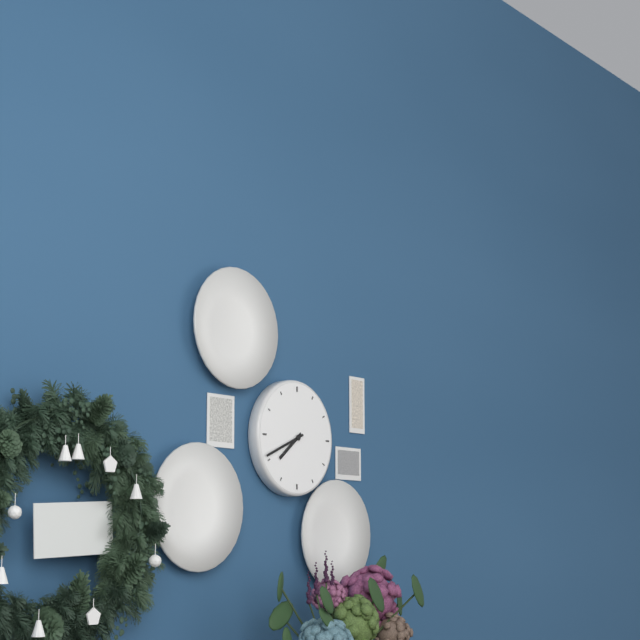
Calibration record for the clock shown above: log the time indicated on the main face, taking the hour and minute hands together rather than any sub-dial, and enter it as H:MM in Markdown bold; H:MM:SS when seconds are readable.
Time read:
**7:41**
